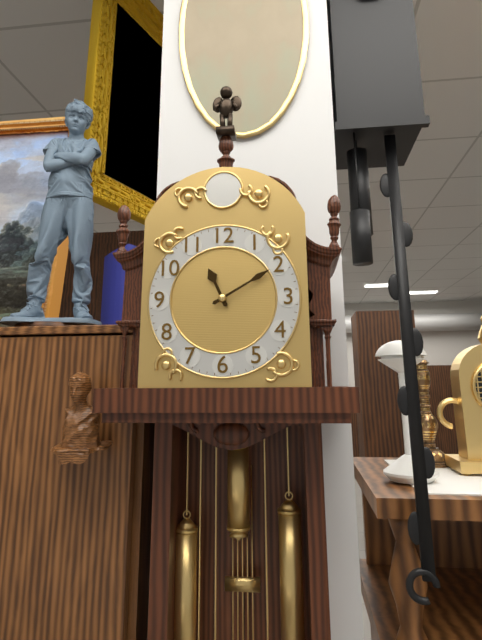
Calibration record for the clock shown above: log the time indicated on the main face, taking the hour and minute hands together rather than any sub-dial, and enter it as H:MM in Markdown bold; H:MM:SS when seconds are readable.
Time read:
**11:10**
